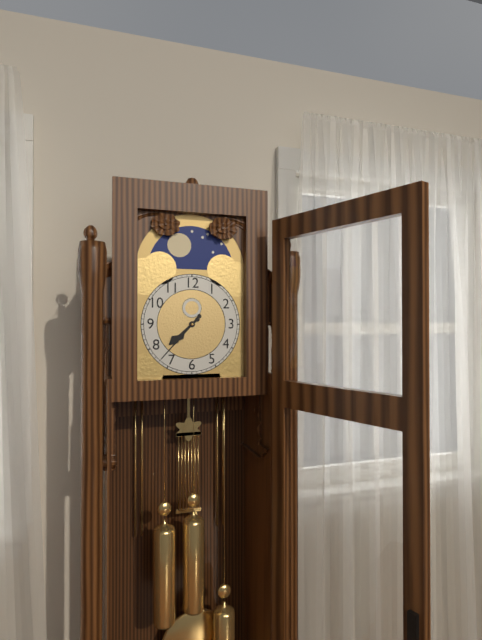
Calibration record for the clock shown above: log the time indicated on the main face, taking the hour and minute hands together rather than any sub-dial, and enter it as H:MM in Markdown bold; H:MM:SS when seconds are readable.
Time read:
**7:37**
